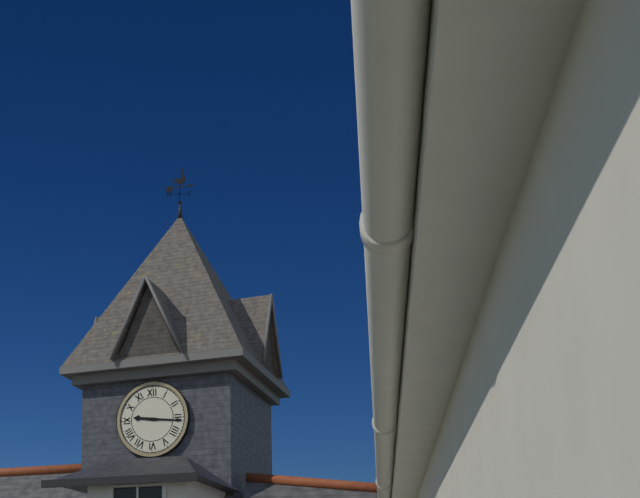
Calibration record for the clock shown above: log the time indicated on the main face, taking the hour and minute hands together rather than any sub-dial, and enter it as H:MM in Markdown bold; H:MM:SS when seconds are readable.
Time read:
**9:16**
